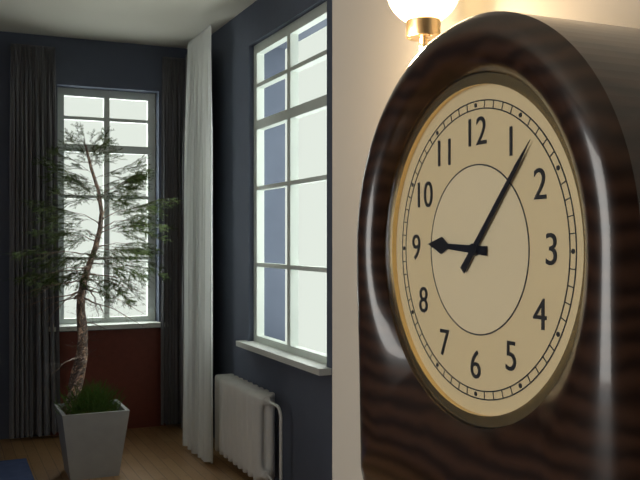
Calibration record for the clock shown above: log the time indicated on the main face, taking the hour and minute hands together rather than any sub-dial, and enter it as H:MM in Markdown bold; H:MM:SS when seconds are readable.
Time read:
**9:07**
